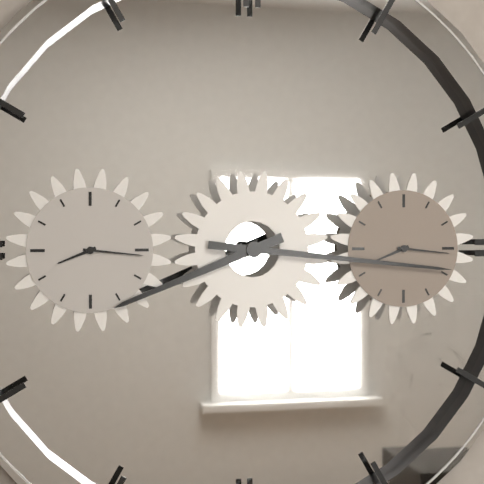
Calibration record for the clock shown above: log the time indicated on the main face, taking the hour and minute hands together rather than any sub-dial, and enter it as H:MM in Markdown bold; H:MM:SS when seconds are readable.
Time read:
**8:16**
